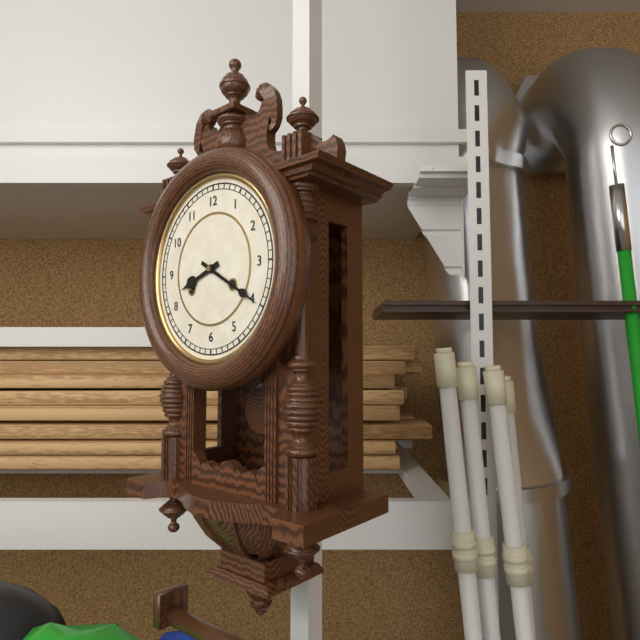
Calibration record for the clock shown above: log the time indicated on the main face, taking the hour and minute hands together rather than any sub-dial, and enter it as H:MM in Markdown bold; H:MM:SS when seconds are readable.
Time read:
**8:20**
